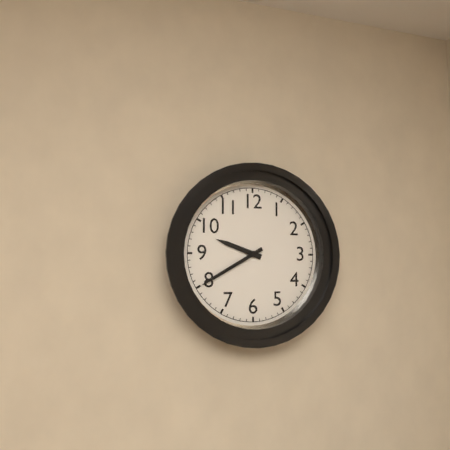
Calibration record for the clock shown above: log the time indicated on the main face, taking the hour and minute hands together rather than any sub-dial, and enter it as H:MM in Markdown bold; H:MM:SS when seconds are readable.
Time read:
**9:40**
